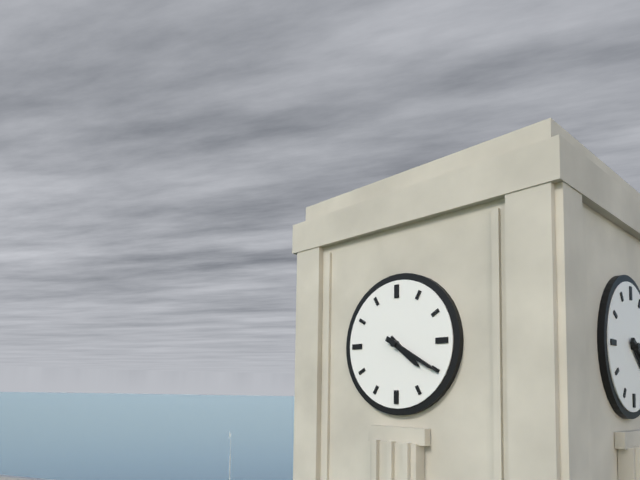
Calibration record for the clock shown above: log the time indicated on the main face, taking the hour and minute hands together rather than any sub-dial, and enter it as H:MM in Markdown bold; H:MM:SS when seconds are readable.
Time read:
**4:20**
